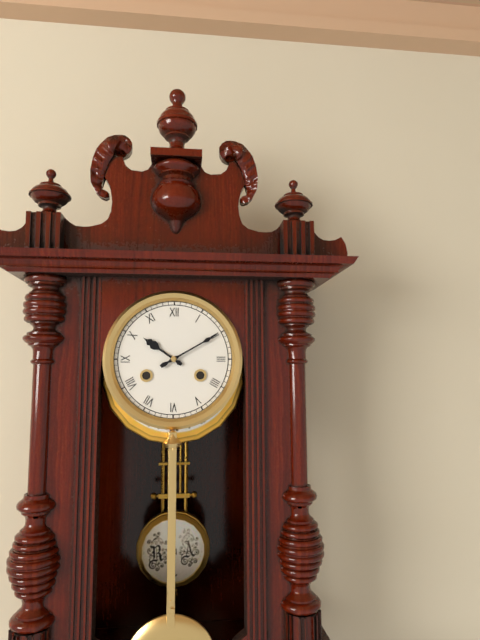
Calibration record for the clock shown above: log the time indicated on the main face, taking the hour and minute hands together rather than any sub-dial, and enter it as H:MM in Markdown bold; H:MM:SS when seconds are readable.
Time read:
**10:10**
